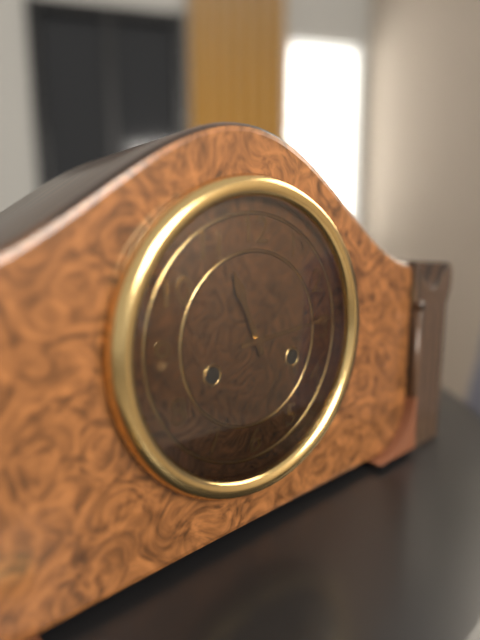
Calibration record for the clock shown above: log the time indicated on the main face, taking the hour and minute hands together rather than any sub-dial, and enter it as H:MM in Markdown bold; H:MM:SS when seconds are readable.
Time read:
**11:14**
